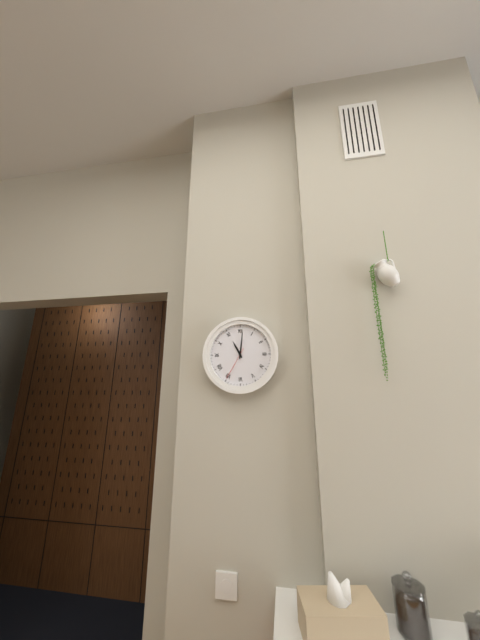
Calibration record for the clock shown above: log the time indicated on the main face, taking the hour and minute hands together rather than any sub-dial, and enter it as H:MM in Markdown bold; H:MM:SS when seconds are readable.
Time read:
**11:01**
